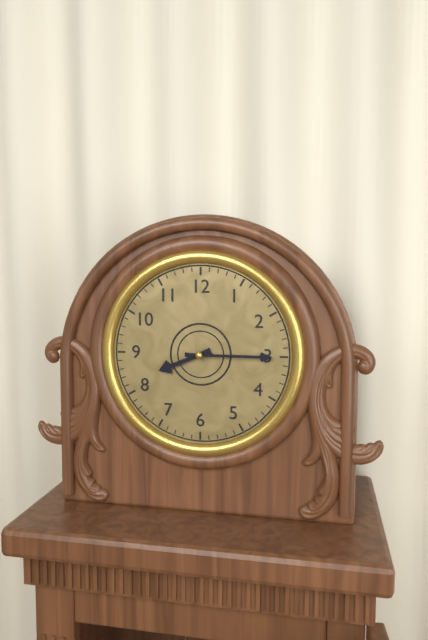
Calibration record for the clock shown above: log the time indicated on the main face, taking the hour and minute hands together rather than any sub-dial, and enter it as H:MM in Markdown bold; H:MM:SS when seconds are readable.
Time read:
**8:15**
